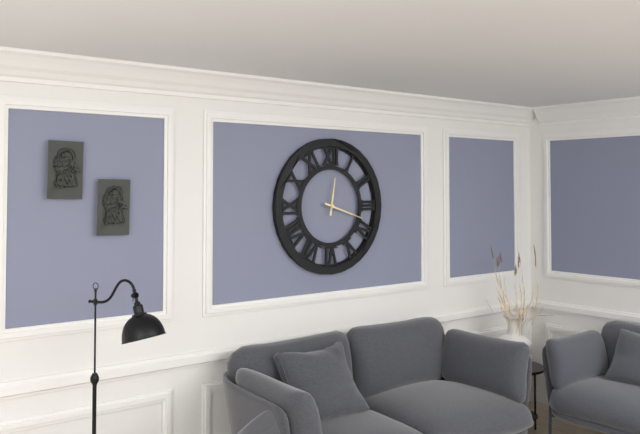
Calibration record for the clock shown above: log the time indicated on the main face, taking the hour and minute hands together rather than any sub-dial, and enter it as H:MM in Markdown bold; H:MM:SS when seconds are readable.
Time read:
**12:18**
